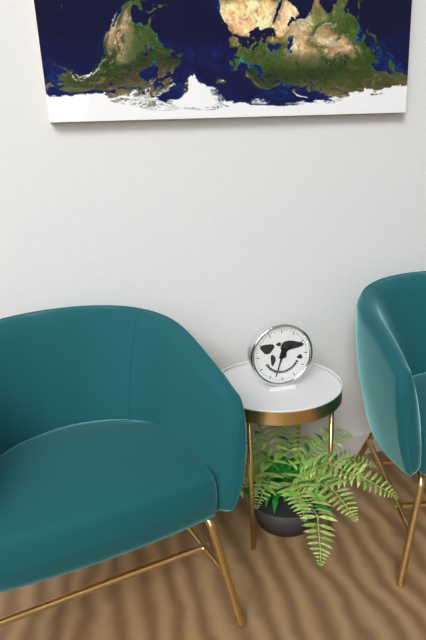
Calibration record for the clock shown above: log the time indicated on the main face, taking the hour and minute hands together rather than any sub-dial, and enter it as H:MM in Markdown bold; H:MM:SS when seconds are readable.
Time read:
**1:33**
